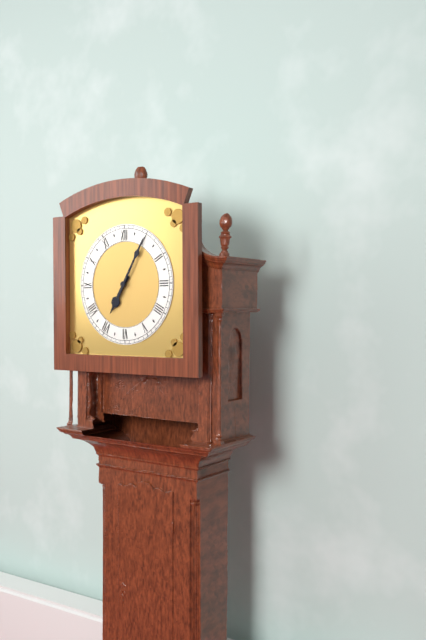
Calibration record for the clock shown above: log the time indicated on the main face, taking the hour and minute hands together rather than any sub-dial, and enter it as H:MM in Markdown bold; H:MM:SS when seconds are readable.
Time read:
**7:05**
